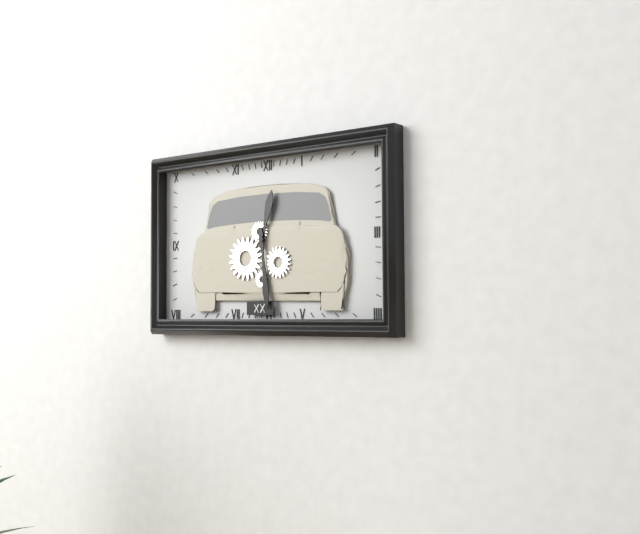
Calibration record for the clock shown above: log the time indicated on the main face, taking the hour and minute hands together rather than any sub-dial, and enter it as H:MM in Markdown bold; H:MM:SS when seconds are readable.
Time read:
**12:29**
